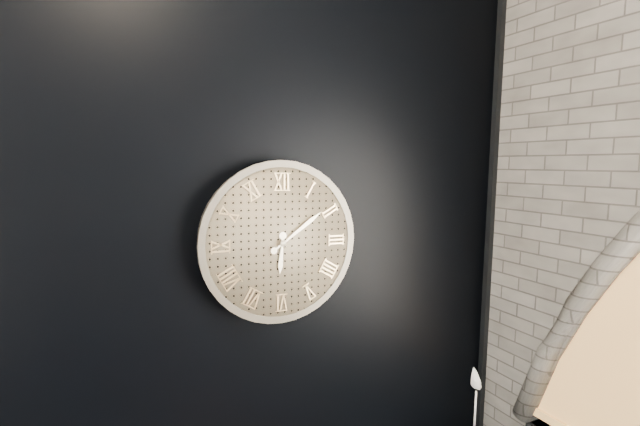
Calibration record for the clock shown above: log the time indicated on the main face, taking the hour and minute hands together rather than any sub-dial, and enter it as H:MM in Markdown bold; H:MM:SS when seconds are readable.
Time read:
**6:09**
